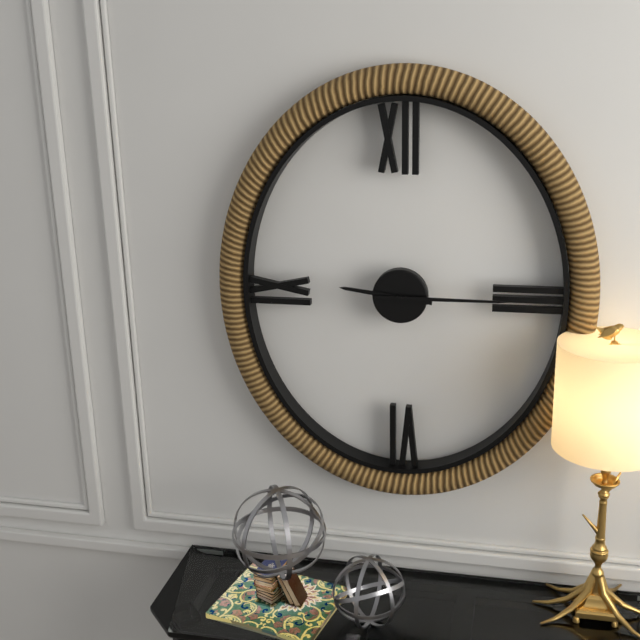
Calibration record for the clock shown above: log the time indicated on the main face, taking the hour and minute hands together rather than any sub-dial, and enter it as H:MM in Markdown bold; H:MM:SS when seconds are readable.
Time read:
**9:15**
